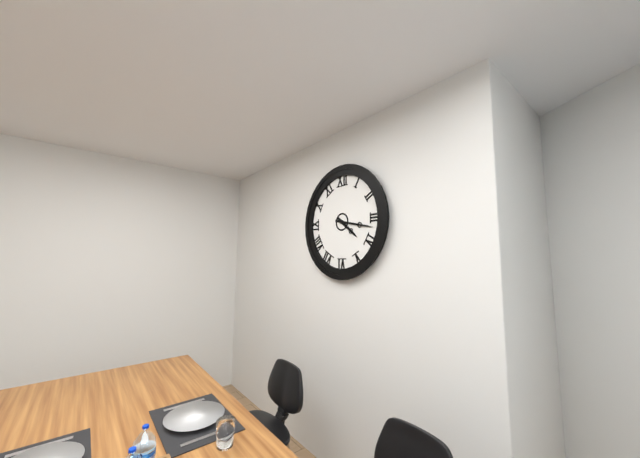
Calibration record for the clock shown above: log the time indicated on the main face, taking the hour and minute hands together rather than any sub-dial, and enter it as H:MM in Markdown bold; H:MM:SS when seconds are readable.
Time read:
**4:17**
